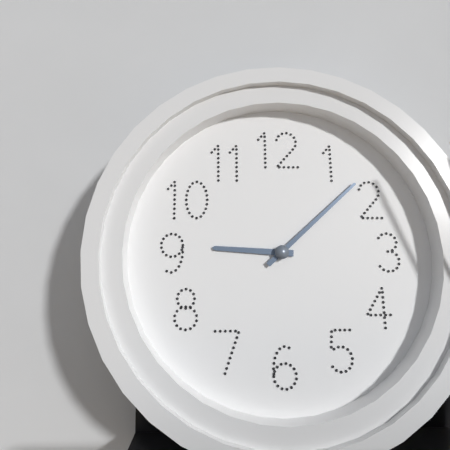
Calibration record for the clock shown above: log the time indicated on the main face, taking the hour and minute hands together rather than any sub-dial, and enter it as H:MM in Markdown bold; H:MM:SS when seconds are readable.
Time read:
**9:08**
